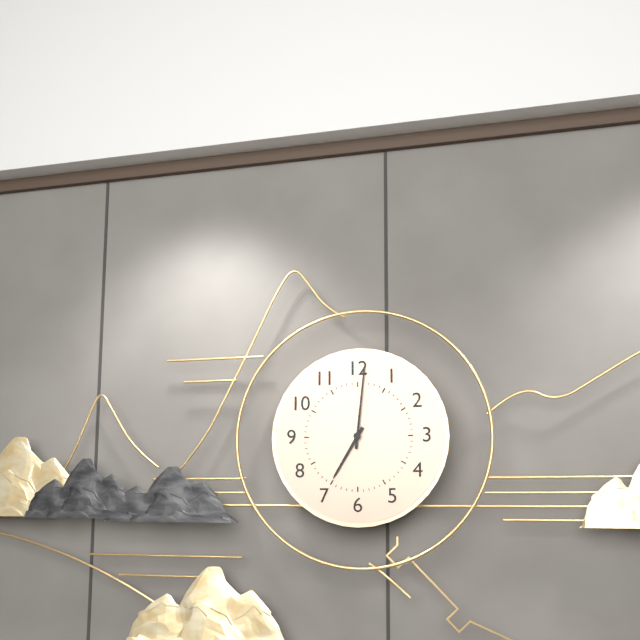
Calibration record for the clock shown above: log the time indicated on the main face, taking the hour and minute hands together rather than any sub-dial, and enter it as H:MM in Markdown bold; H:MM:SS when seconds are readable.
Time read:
**7:01**
